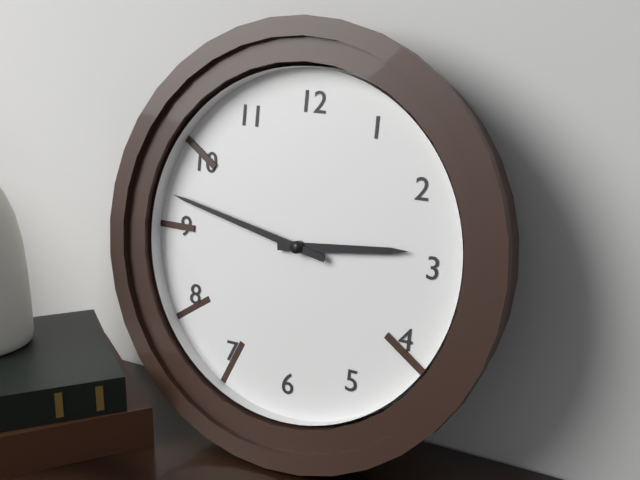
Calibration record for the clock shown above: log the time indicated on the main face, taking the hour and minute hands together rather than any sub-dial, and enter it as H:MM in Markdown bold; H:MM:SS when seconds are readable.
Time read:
**2:47**
